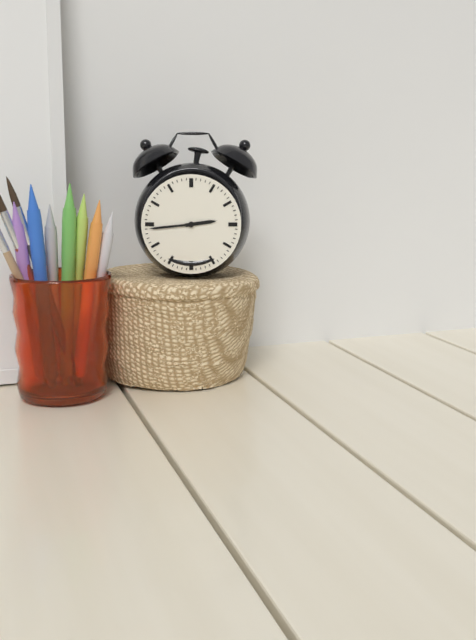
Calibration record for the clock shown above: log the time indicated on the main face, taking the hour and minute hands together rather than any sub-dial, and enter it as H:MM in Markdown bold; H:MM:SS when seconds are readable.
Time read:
**2:44**
